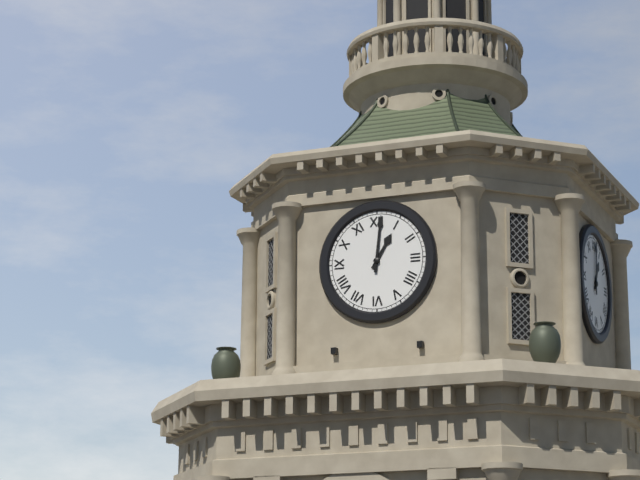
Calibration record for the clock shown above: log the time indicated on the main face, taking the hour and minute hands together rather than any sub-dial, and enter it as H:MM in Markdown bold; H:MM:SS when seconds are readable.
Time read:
**1:01**
